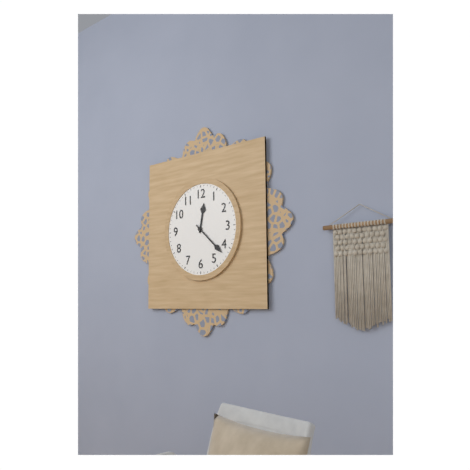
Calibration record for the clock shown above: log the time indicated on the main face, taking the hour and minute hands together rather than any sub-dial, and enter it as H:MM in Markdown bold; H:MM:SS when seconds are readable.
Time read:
**12:22**
